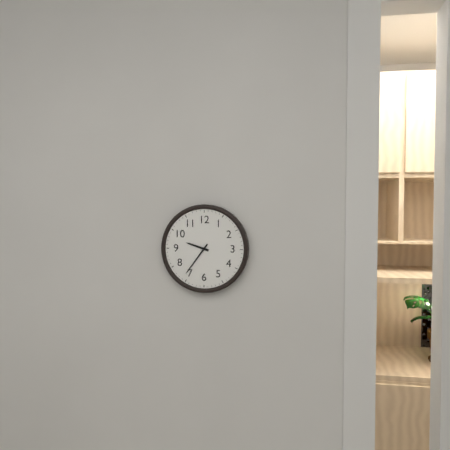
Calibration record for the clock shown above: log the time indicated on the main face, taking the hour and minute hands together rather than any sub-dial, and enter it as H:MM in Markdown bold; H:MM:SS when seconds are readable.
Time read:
**9:36**
